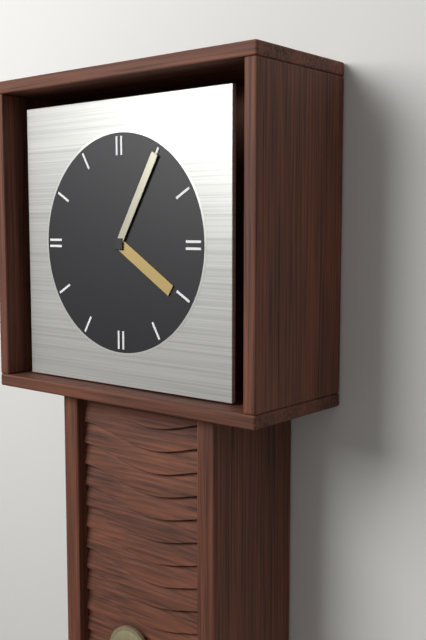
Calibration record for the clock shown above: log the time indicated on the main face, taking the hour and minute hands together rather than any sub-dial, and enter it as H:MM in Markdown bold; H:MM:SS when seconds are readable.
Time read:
**4:05**
